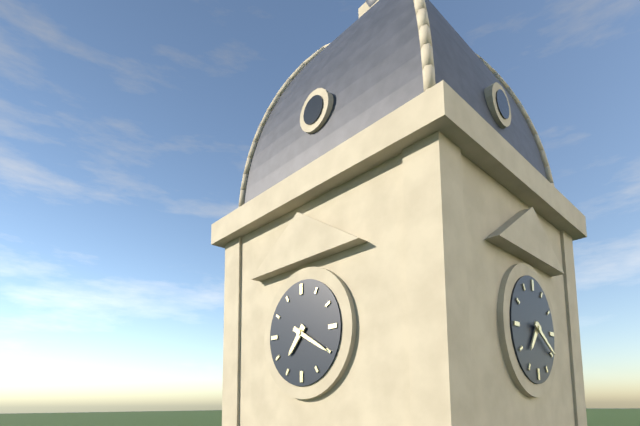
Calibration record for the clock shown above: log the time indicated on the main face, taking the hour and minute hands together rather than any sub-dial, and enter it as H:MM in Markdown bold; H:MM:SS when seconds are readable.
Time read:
**7:20**
